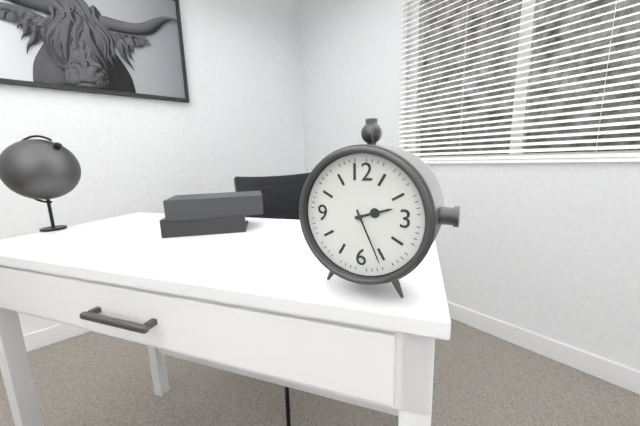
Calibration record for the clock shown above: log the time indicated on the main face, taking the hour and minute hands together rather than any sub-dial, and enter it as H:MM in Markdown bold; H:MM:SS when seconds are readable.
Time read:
**2:26**
